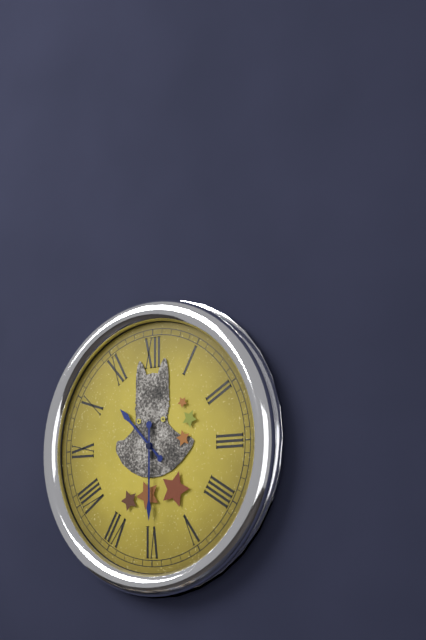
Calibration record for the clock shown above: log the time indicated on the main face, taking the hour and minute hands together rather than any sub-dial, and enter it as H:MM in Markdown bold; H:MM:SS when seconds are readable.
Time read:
**10:30**
